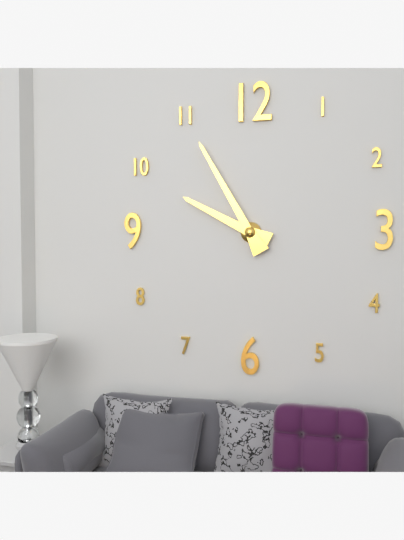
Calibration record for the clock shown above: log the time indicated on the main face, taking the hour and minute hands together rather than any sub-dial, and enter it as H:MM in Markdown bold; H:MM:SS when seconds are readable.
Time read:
**9:55**
